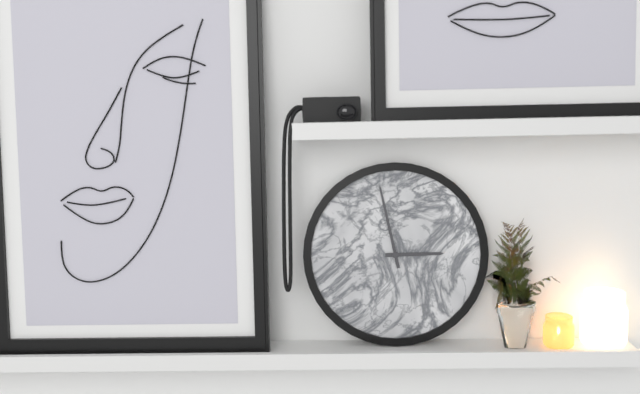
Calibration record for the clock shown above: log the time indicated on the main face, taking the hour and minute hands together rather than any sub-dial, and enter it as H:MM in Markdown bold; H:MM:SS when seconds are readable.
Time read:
**2:58**
